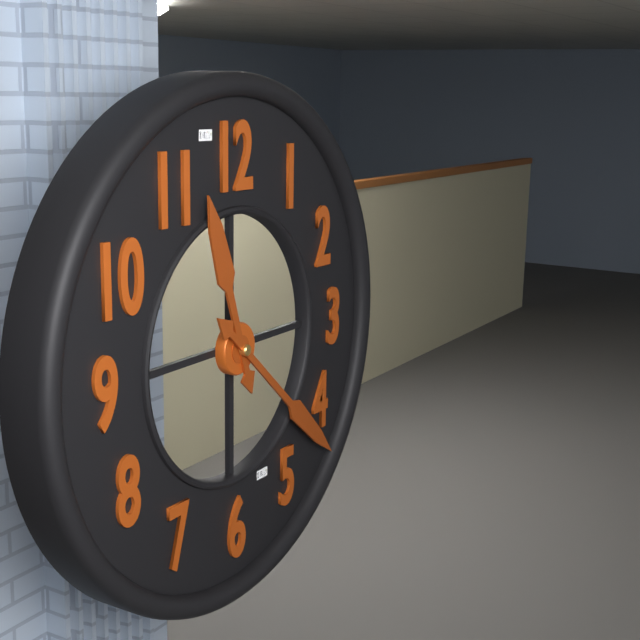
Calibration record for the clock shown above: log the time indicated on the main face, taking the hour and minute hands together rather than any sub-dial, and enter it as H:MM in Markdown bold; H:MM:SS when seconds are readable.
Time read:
**11:22**
